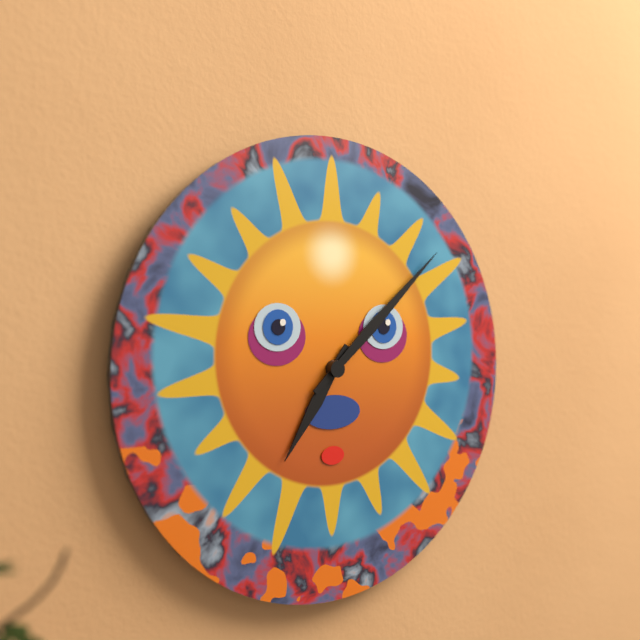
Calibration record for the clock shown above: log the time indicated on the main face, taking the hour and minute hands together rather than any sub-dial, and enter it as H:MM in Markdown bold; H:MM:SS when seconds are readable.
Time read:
**7:08**
